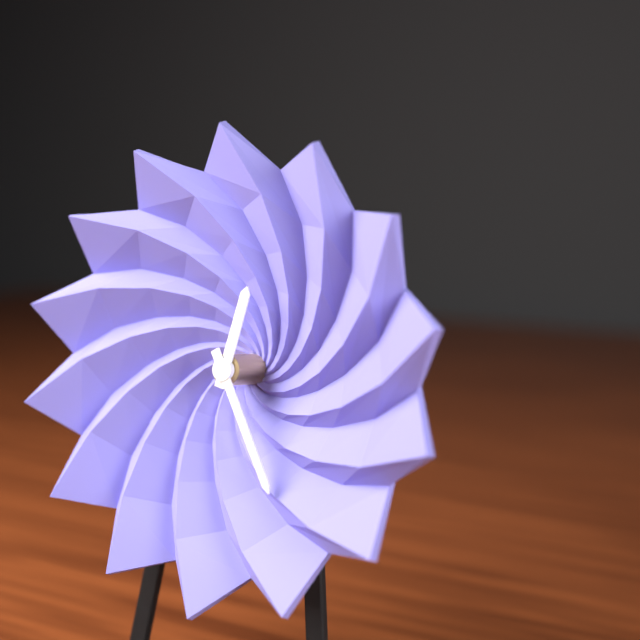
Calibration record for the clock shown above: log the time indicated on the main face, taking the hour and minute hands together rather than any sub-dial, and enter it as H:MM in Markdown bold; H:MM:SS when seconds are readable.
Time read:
**12:25**
